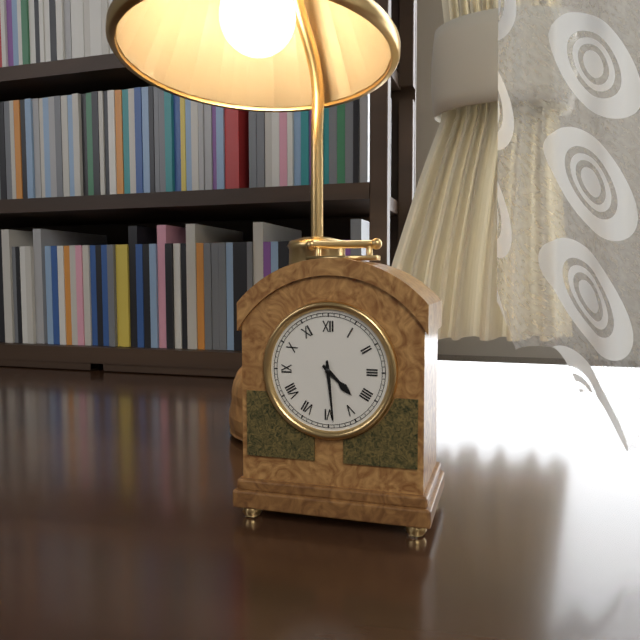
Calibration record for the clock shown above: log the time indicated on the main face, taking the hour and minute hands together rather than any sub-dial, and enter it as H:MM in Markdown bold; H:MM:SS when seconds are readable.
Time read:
**4:29**
